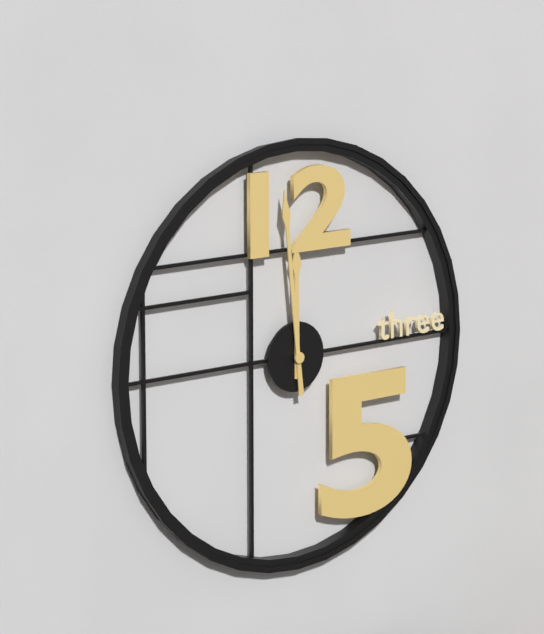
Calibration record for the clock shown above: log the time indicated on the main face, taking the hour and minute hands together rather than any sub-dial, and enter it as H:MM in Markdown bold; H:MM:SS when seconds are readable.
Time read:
**11:59**
